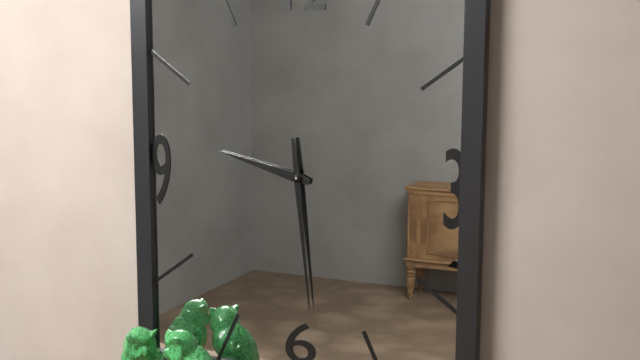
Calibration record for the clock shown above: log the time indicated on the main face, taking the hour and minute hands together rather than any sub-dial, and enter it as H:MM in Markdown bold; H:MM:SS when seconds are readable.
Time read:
**9:29**
